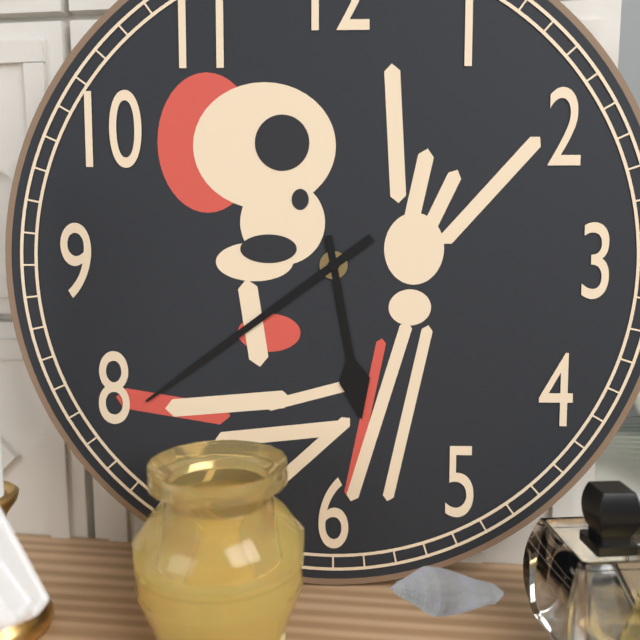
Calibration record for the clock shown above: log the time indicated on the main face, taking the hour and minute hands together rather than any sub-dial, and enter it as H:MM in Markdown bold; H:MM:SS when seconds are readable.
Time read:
**5:39**
